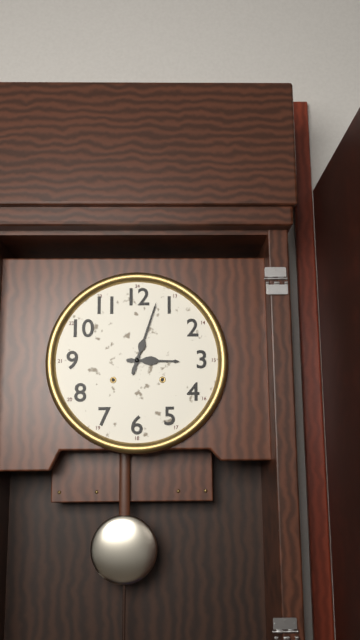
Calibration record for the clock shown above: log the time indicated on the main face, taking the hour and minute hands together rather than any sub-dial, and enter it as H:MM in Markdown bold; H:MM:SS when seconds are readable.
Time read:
**3:03**
